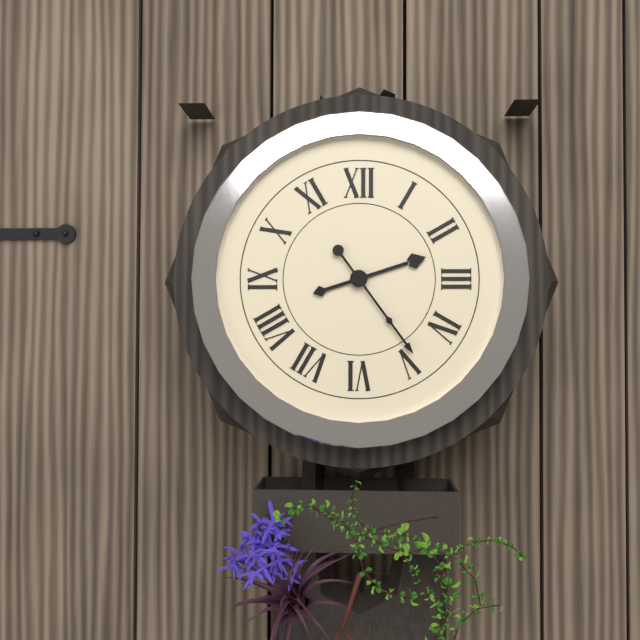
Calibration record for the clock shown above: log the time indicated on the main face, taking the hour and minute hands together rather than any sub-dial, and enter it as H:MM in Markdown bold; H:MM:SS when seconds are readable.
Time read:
**2:24**
